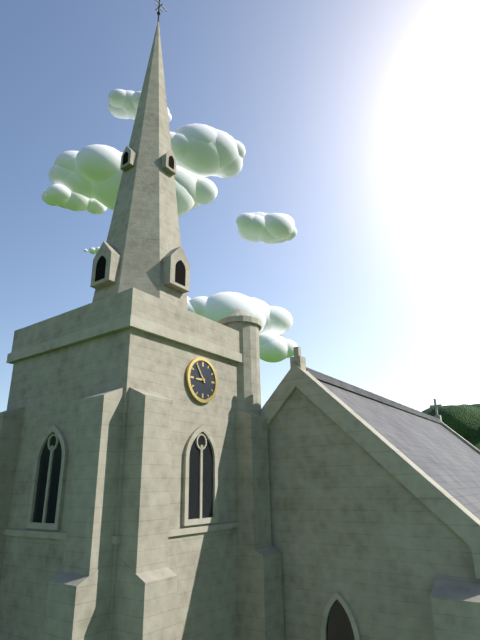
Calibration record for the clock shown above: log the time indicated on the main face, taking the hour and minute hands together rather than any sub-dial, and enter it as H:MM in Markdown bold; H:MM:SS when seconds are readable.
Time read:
**8:54**
